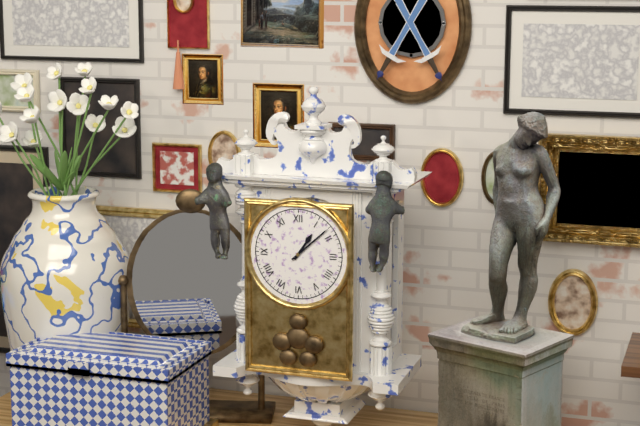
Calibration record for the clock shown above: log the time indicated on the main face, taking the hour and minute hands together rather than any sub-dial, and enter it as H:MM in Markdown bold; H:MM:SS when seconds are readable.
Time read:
**1:08**
